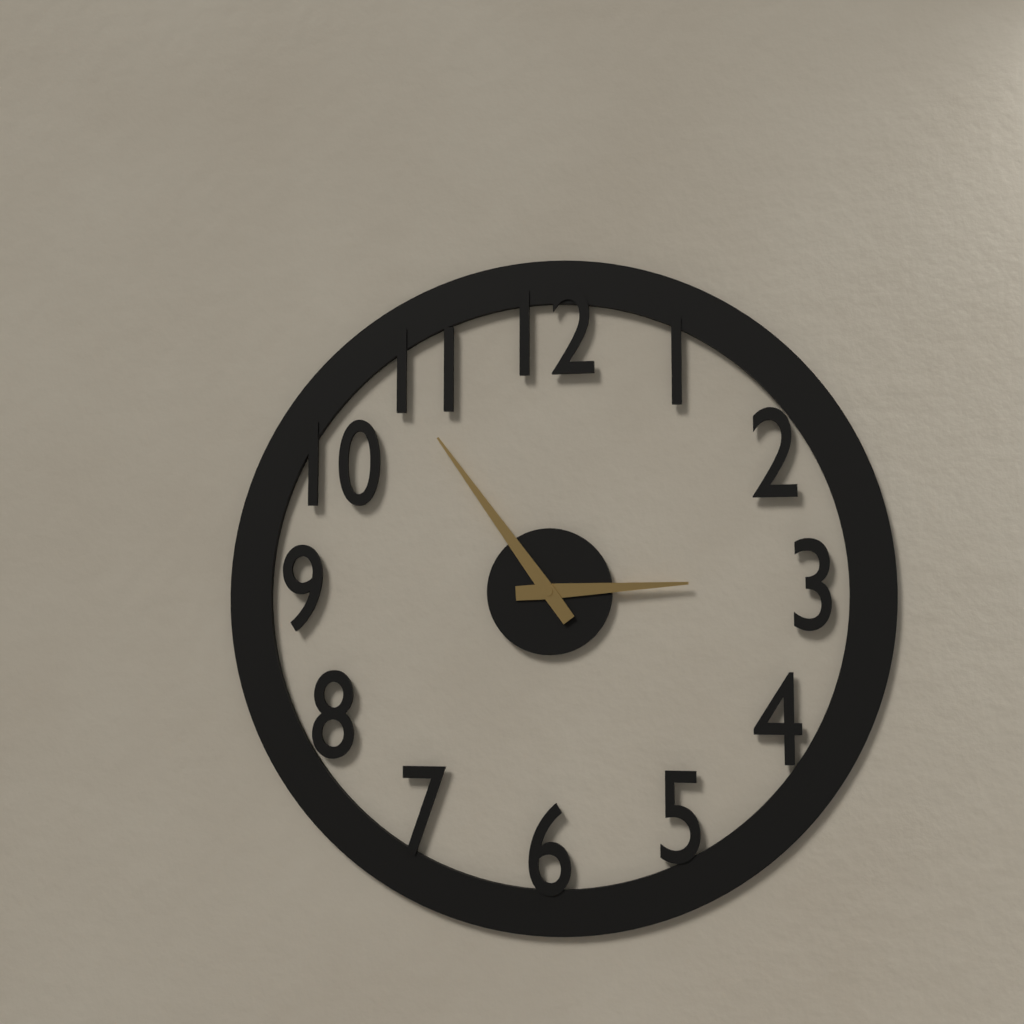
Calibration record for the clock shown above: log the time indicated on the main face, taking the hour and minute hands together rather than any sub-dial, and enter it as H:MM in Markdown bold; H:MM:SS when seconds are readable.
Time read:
**2:54**
